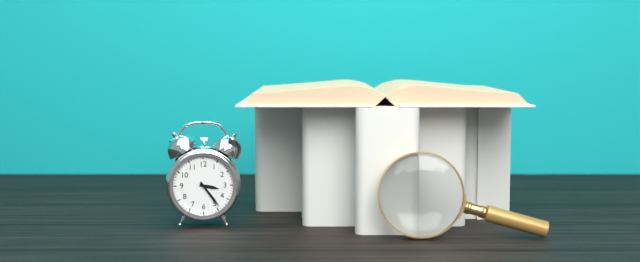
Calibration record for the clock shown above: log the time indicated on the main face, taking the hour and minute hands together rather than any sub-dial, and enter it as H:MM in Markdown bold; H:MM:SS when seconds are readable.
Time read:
**3:24**
